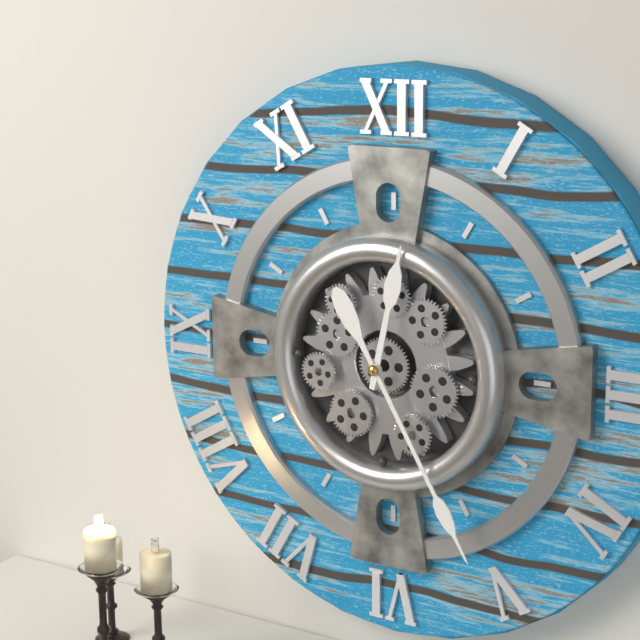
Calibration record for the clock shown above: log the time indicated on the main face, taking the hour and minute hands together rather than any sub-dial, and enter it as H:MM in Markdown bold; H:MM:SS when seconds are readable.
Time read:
**12:25**
